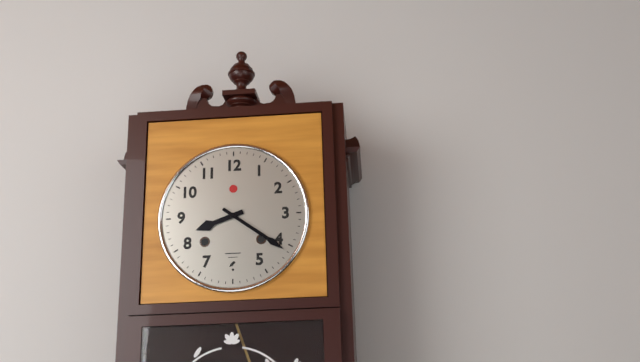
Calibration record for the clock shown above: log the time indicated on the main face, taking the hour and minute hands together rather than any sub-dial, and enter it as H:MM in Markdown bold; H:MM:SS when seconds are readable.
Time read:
**8:21**
